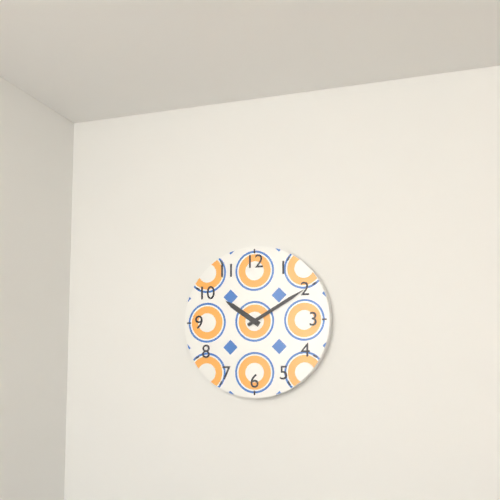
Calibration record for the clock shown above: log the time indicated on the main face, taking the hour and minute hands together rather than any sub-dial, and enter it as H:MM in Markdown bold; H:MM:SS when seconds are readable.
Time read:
**10:10**
